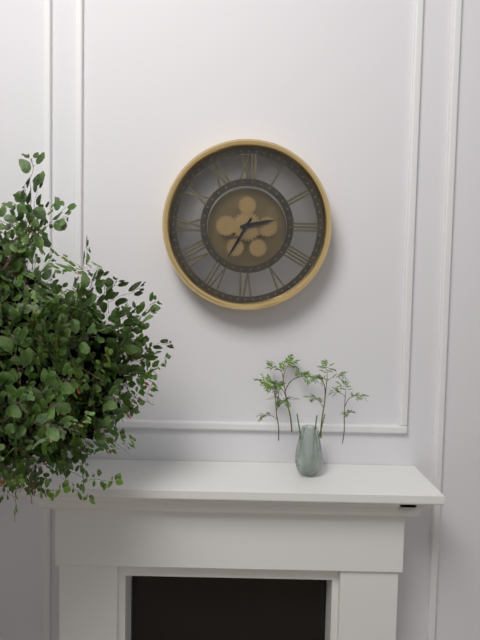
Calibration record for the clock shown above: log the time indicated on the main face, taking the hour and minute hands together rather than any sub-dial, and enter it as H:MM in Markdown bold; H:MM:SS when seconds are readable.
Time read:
**2:35**
